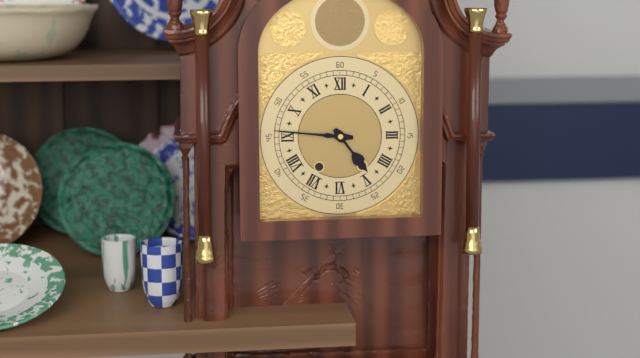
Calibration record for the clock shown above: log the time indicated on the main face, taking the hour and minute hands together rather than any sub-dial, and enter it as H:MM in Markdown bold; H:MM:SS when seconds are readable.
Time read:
**4:46**
